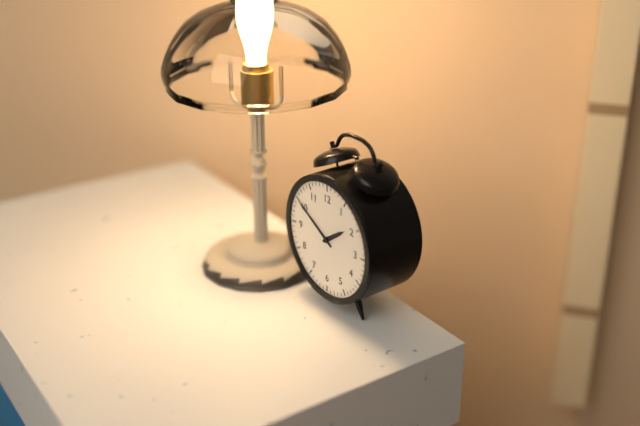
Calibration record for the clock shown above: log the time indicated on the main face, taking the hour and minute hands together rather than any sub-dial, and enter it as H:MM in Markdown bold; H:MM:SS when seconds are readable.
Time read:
**1:50**
